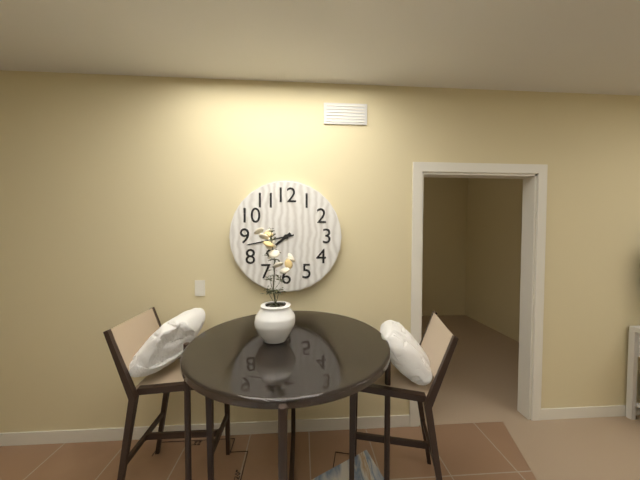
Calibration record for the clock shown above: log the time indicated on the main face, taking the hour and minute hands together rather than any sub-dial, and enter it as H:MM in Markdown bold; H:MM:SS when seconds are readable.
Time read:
**7:43**
